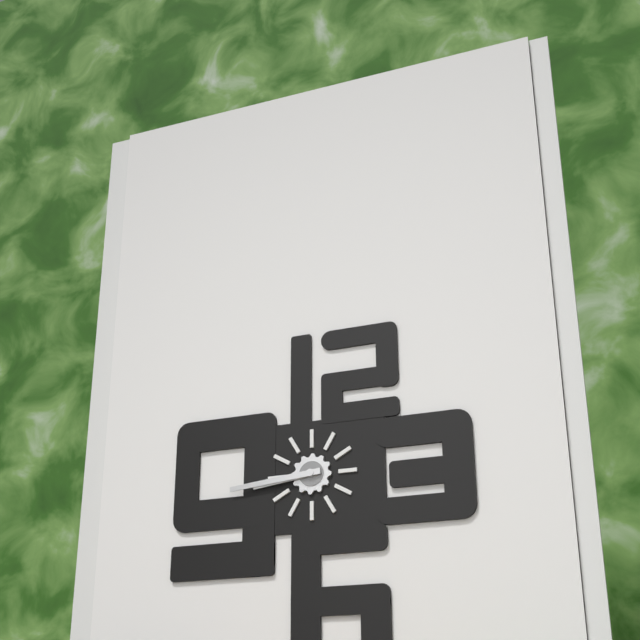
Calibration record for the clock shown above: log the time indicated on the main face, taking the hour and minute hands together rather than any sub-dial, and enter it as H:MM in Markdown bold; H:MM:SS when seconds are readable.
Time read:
**8:44**
